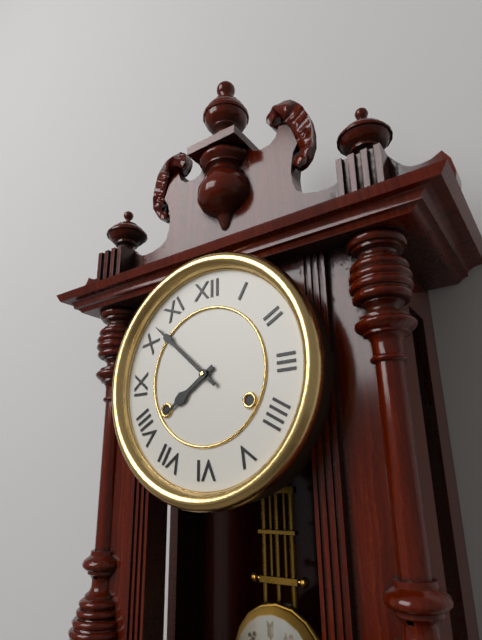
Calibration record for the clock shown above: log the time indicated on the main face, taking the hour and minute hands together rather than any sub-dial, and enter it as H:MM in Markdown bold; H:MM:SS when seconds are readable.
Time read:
**7:52**
